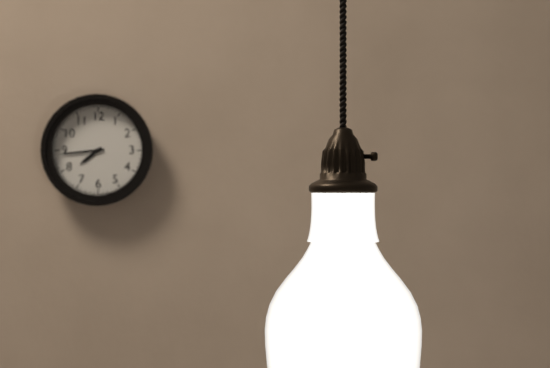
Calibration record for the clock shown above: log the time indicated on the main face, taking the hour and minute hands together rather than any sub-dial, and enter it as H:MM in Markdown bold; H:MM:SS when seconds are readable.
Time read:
**7:44**
